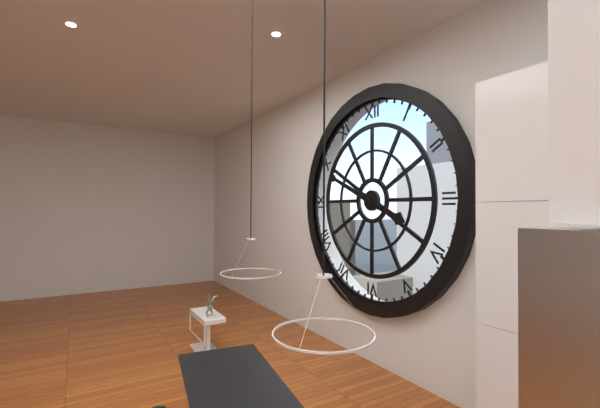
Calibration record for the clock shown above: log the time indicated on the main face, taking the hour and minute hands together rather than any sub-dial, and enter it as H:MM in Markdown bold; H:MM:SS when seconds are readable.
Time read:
**3:49**
